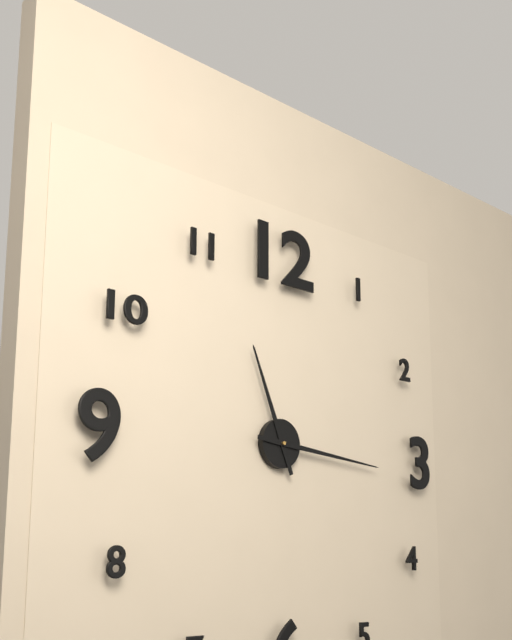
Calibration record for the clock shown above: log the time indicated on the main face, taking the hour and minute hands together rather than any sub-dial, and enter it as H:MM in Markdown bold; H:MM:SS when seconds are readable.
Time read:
**11:16**
